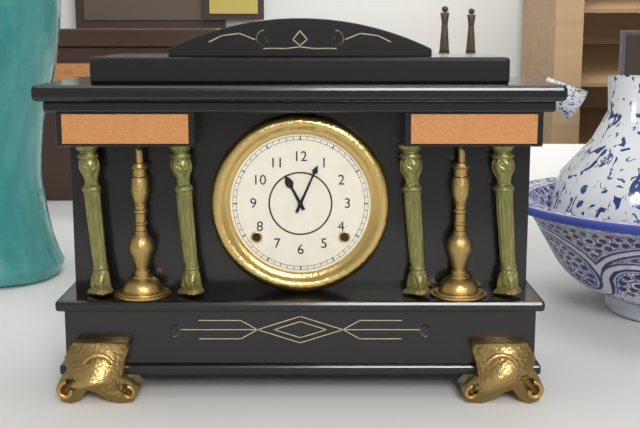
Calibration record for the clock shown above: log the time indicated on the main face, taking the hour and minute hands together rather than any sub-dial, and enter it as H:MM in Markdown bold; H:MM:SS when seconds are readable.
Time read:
**11:04**
